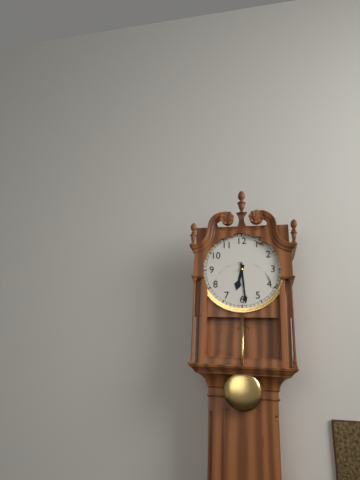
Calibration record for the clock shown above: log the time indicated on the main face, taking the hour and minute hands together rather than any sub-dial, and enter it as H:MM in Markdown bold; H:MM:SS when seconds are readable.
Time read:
**6:29**
